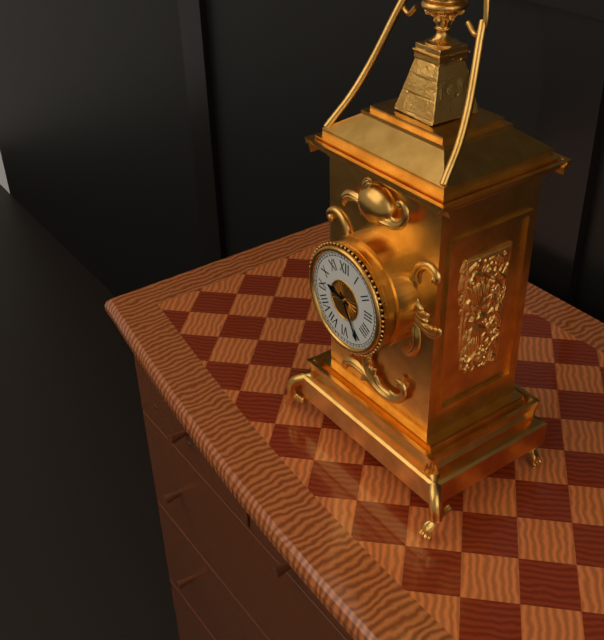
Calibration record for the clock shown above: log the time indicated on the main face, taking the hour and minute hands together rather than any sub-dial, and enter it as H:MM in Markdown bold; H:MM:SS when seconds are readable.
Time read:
**9:25**
